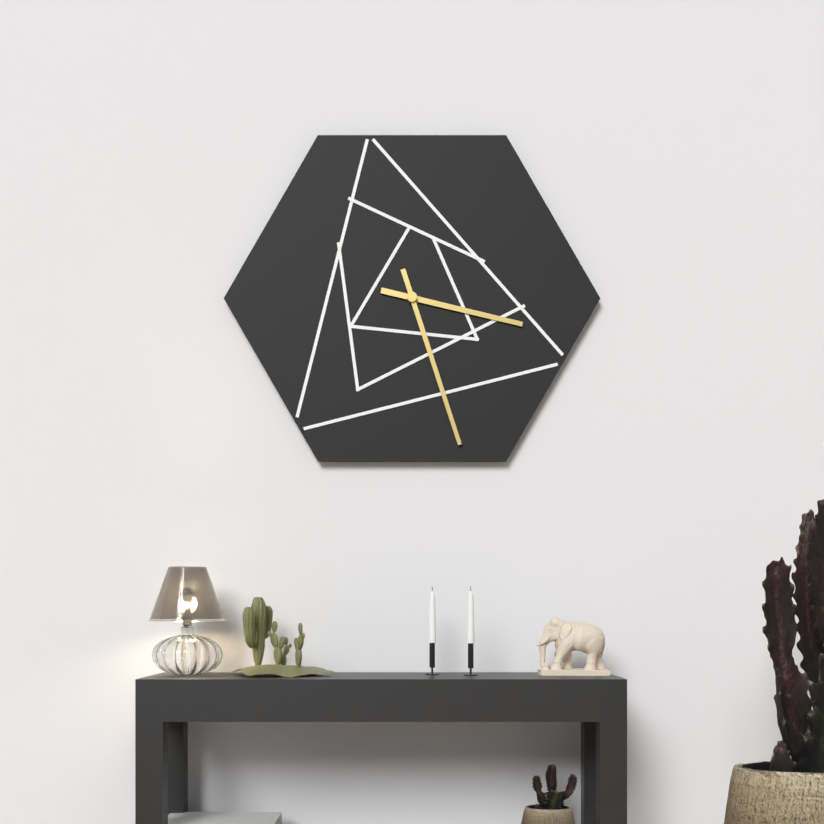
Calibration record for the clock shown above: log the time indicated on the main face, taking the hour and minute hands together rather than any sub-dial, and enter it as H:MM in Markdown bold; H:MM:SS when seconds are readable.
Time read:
**3:27**
